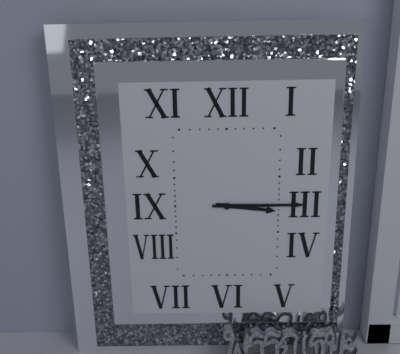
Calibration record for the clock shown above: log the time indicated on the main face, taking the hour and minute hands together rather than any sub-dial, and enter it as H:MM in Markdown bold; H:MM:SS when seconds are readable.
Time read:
**3:15**
